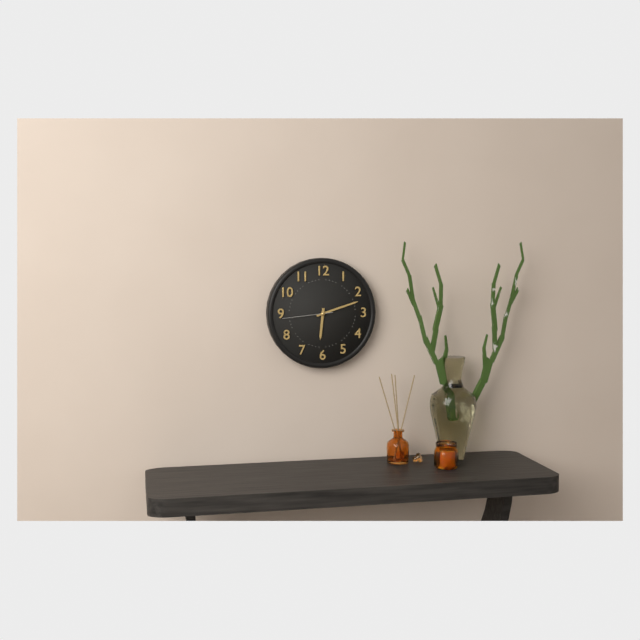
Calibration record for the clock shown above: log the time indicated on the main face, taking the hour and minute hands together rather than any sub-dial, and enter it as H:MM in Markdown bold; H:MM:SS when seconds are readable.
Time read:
**6:12**
